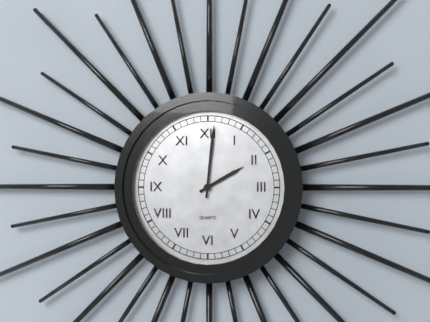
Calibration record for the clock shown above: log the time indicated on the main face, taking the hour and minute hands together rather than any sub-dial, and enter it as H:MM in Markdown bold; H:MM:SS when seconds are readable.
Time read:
**2:01**
